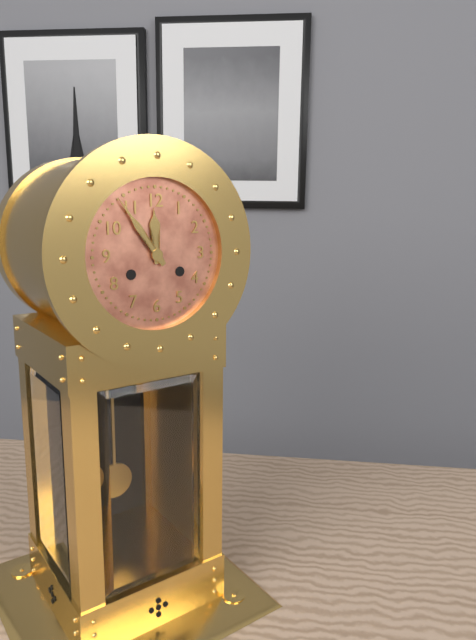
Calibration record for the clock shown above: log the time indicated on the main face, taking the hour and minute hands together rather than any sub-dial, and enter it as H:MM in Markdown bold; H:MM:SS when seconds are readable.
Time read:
**11:54**
